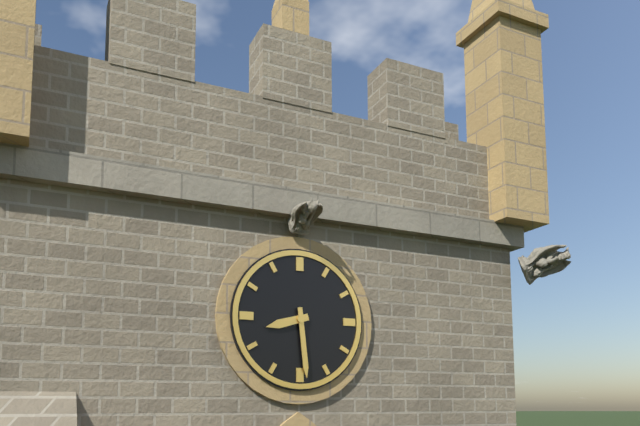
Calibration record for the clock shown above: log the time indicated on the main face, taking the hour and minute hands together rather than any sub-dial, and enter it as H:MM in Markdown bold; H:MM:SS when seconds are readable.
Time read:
**8:29**
